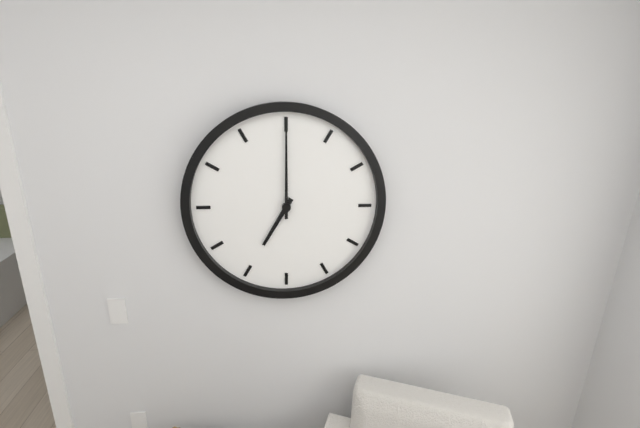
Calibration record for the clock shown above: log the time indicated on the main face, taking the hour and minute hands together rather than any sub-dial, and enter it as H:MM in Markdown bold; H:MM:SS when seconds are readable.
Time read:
**7:00**
